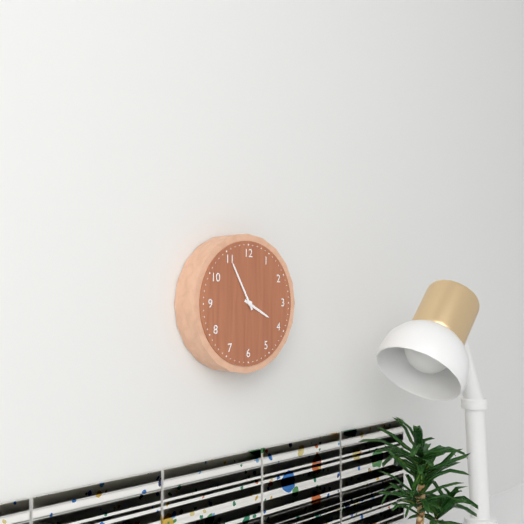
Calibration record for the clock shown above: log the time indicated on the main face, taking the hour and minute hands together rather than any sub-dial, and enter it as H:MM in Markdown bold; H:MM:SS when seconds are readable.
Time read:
**3:55**
